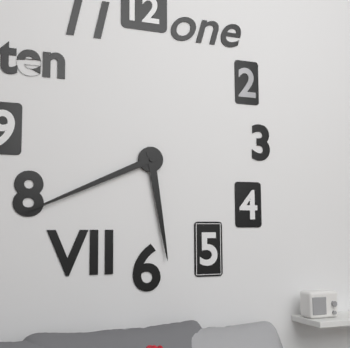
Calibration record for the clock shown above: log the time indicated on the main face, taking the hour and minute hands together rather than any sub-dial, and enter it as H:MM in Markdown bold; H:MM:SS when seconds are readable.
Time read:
**5:41**
